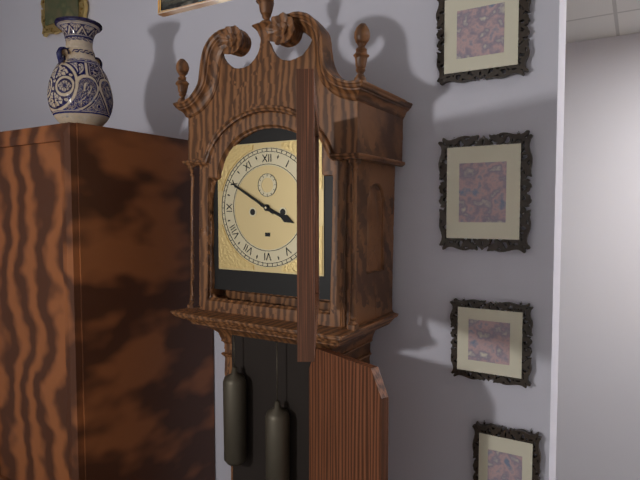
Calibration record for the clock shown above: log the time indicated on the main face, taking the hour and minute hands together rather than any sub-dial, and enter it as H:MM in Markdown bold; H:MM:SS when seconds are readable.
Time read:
**3:50**
